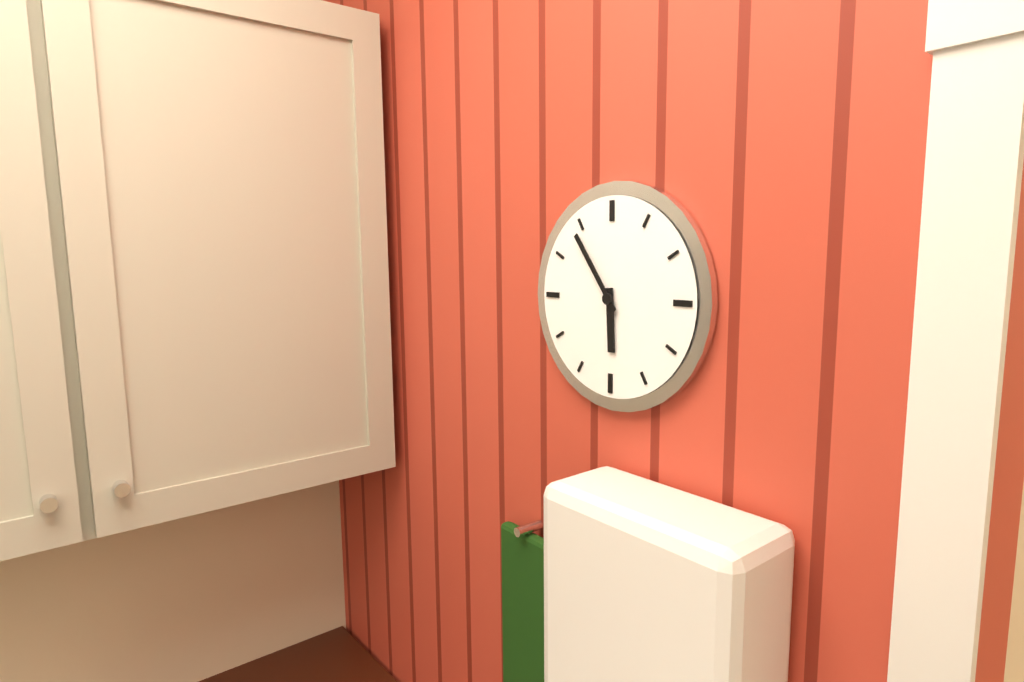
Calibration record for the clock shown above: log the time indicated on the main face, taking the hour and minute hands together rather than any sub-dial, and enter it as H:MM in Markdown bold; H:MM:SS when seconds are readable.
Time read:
**5:54**
